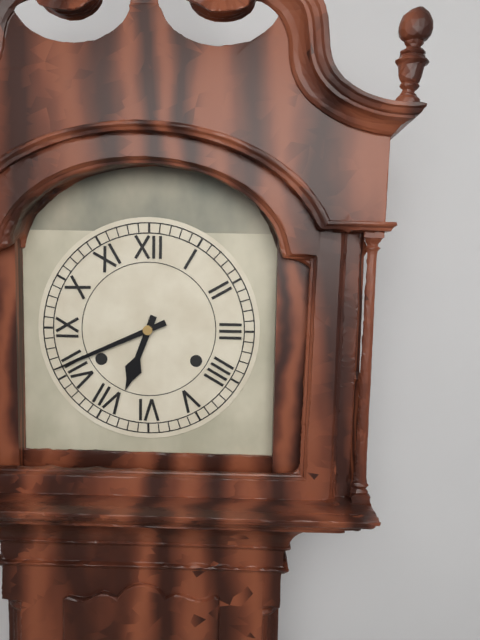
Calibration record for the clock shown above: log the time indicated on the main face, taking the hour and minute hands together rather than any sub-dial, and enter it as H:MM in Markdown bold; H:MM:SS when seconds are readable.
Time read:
**6:41**
